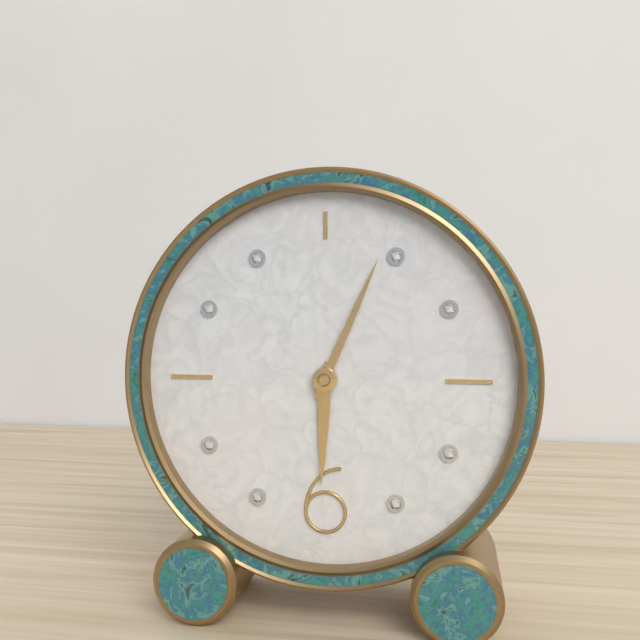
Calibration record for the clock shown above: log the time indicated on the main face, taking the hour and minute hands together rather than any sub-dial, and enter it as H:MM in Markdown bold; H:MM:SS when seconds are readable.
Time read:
**6:04**
